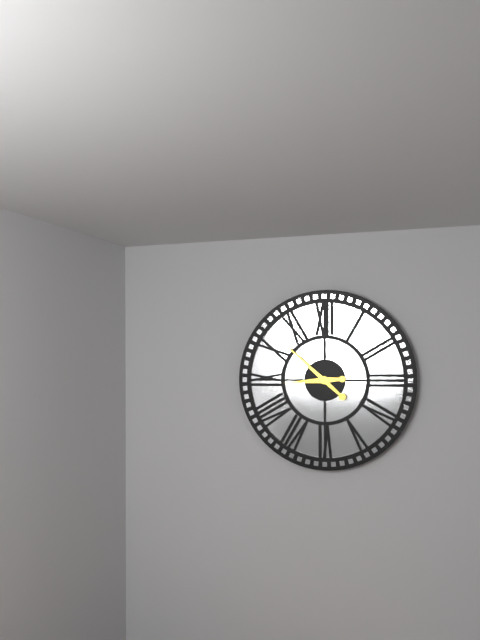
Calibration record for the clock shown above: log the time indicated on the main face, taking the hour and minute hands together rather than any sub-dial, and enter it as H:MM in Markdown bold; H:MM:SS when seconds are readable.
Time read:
**8:52**
